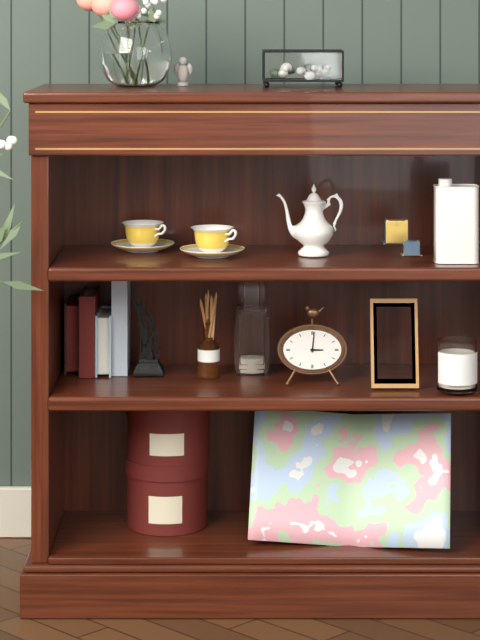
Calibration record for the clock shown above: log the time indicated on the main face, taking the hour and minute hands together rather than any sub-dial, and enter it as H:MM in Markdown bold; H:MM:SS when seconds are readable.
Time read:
**3:01**
